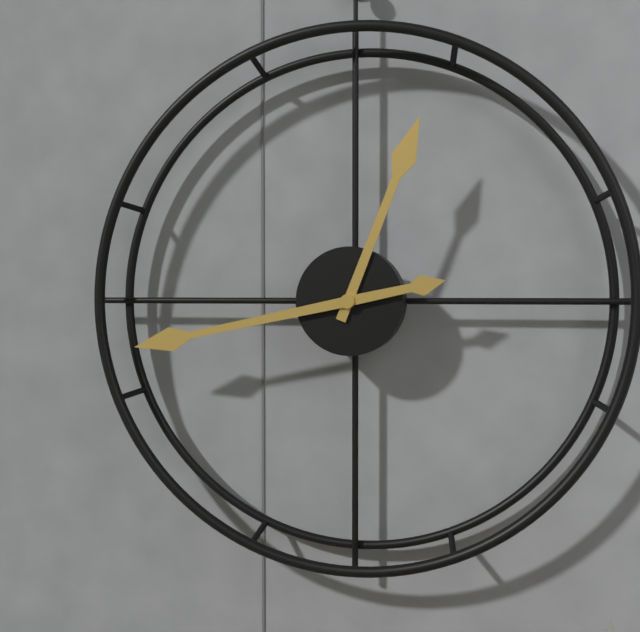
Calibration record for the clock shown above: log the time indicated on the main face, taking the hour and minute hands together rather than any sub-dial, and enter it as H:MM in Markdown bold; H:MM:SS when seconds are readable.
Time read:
**12:43**
